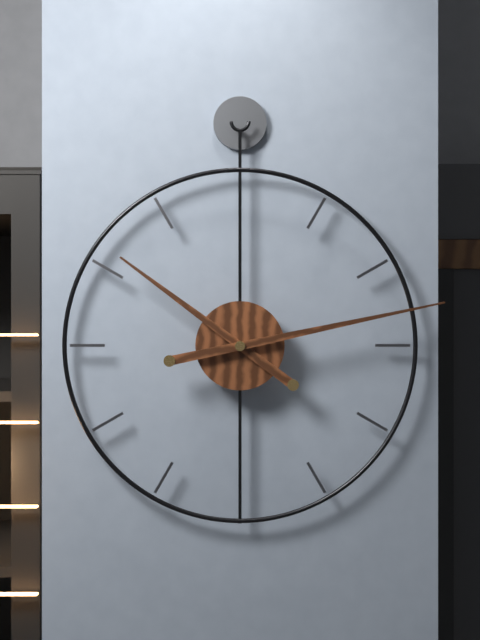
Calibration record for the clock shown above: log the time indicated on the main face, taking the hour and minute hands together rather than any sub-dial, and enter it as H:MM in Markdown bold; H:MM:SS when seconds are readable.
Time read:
**10:13**
